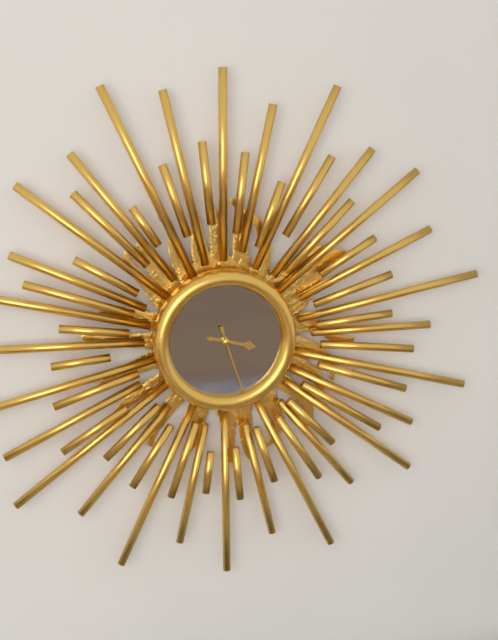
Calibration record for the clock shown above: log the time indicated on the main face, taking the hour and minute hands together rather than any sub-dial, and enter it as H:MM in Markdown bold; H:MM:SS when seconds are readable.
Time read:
**3:27**
